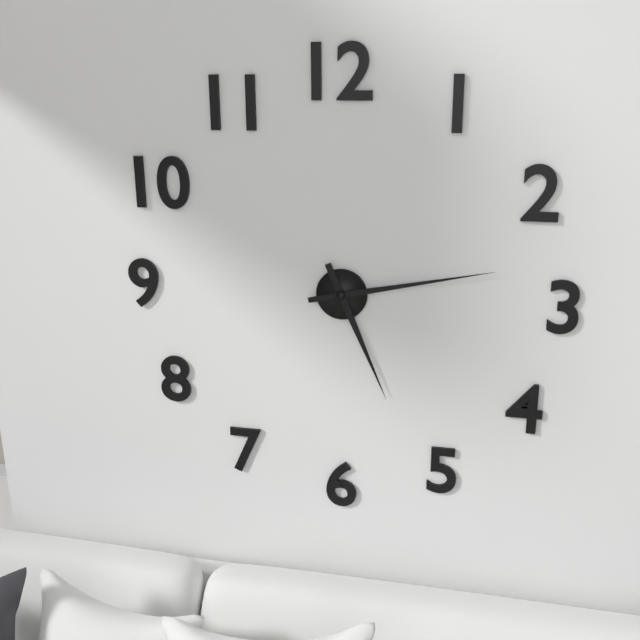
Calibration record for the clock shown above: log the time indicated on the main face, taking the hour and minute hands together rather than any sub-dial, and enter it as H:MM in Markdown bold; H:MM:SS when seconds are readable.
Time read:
**5:13**
